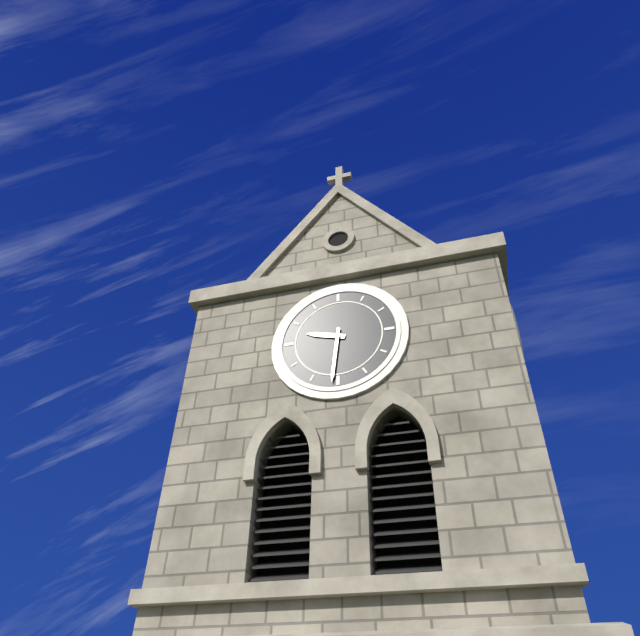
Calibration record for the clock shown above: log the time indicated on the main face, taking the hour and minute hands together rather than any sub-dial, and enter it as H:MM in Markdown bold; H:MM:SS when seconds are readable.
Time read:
**9:31**
